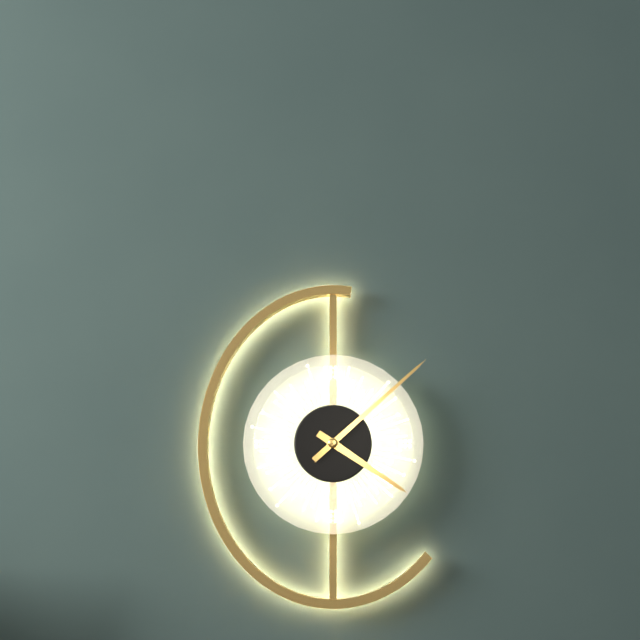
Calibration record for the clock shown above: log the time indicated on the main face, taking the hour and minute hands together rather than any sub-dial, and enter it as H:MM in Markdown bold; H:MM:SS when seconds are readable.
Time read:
**4:08**
